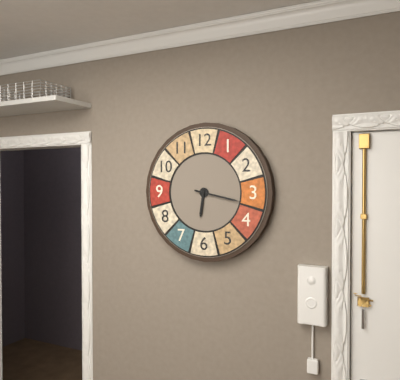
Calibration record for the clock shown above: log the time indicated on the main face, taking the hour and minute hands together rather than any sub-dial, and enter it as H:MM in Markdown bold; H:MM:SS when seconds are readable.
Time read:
**6:17**
